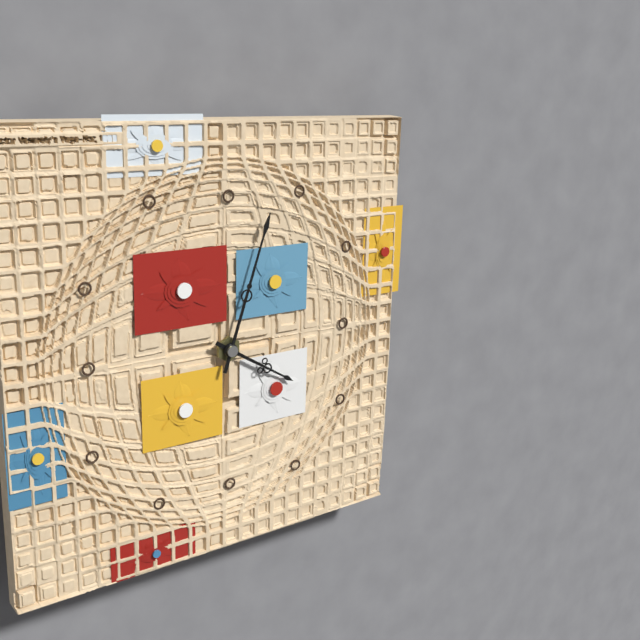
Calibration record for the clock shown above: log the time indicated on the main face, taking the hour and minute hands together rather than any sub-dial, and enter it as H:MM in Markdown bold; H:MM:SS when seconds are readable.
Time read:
**4:03**
